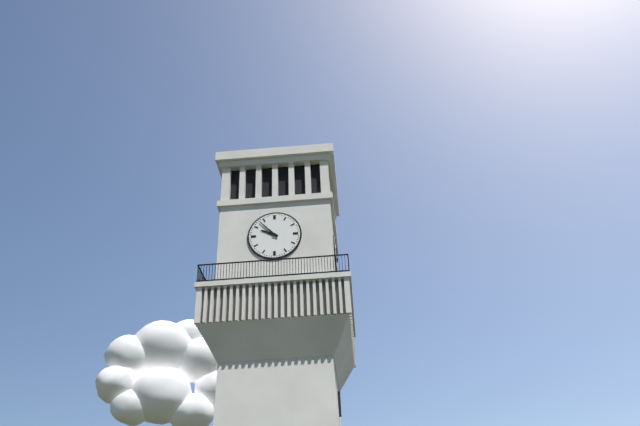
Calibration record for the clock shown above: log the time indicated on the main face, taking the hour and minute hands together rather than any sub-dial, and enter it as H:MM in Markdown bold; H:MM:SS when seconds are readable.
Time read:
**9:53**
